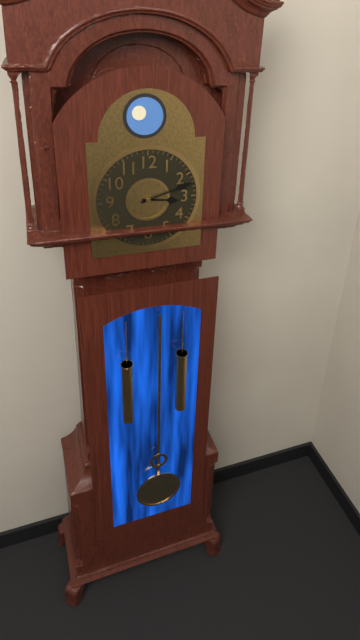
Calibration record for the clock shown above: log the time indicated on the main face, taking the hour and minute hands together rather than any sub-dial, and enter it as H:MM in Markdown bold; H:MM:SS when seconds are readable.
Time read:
**3:12**
